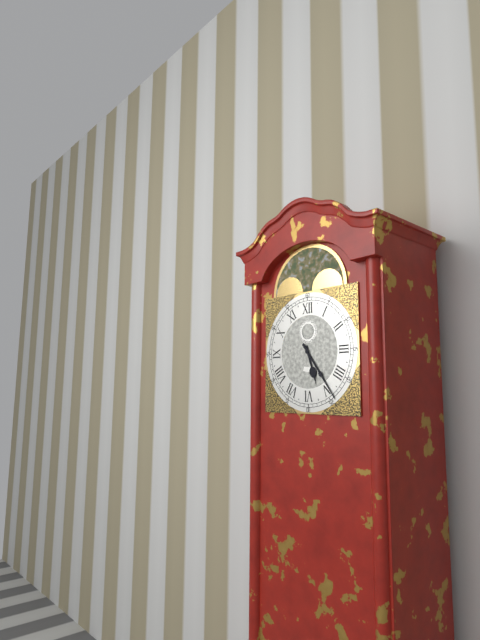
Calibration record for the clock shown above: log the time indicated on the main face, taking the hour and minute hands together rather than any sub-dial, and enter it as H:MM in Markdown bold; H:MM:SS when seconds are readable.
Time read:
**5:24**
